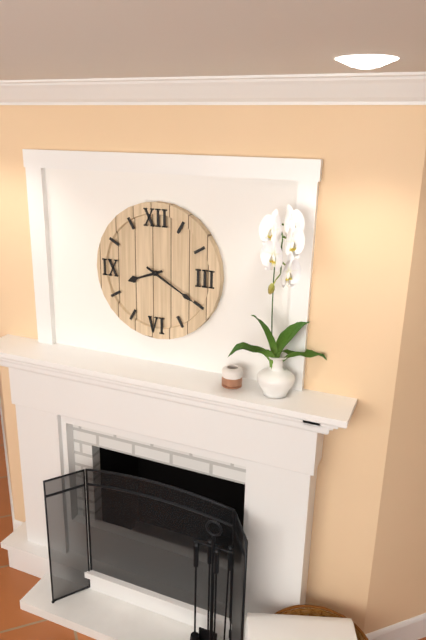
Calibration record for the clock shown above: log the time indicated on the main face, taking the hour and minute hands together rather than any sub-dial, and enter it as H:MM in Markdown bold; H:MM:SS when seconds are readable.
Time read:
**8:20**
